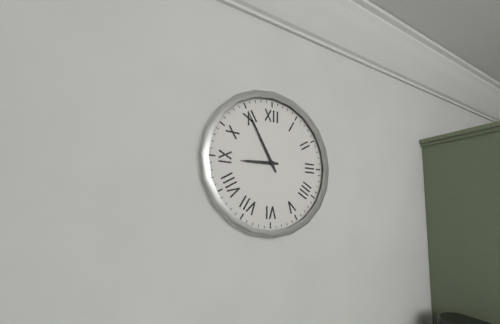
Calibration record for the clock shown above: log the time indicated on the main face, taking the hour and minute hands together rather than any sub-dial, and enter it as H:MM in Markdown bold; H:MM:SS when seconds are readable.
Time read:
**8:55**
